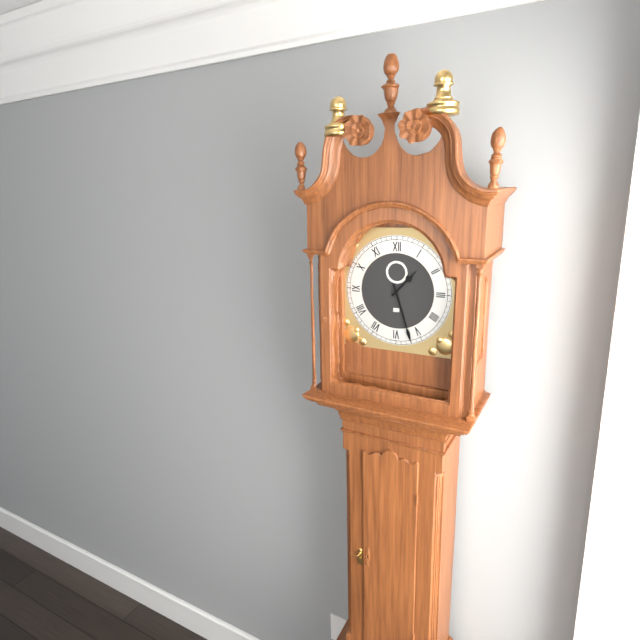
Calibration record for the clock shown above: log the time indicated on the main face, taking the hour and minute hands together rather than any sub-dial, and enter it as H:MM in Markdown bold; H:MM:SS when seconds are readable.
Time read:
**1:27**
